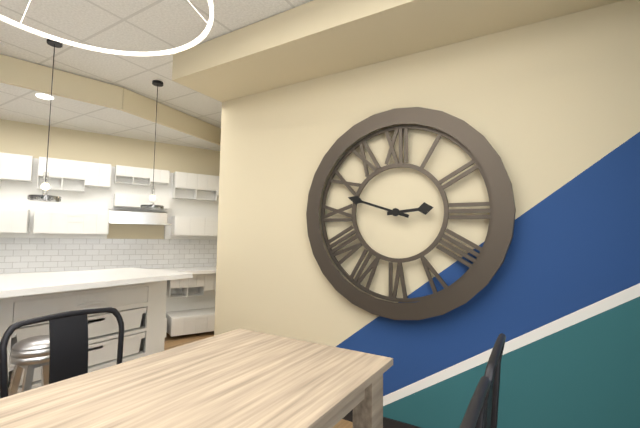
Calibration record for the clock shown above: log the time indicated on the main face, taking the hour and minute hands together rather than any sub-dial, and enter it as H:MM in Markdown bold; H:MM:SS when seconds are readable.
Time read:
**2:48**
